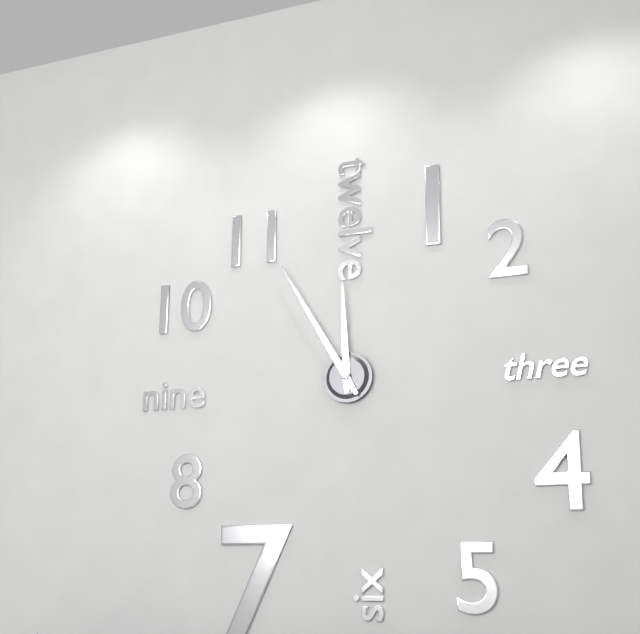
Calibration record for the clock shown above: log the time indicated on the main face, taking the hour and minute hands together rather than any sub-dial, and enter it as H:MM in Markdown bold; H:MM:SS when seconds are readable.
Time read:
**11:55**
